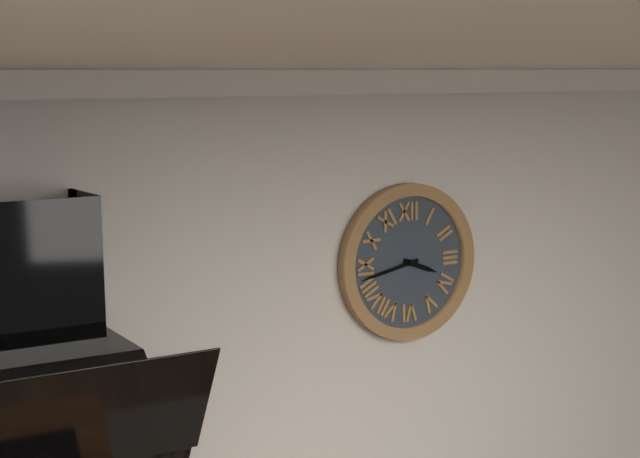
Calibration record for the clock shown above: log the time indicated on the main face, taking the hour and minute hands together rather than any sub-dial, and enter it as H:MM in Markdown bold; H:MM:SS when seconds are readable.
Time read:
**3:43**
